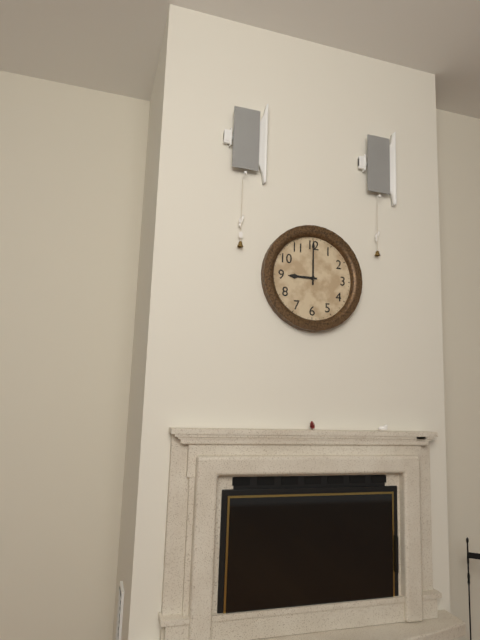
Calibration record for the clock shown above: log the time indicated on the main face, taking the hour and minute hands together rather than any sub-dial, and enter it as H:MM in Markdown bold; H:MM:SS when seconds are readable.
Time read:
**9:00**
